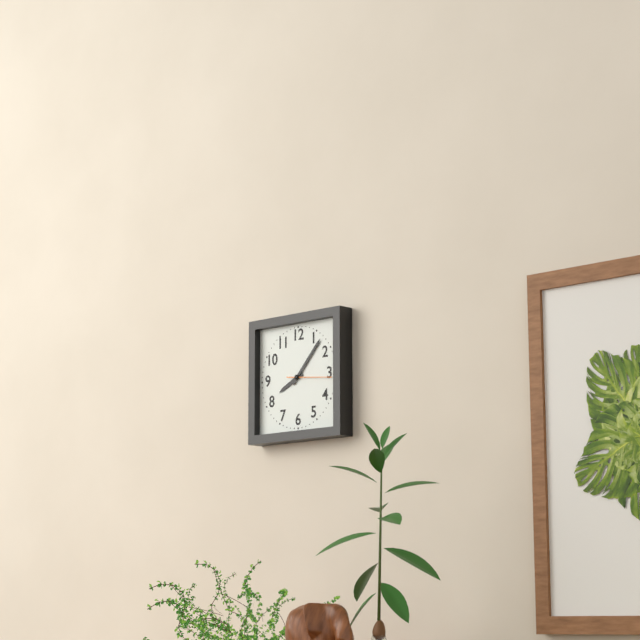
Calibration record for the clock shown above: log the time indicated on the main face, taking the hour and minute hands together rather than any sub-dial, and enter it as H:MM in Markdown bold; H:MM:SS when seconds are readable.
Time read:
**8:07**
